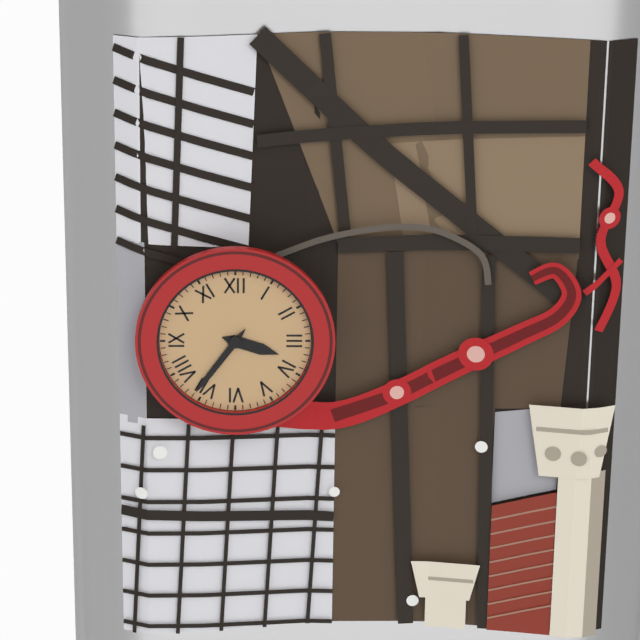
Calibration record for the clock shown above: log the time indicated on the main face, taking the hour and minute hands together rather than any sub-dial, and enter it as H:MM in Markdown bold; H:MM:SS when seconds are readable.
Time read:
**3:36**
